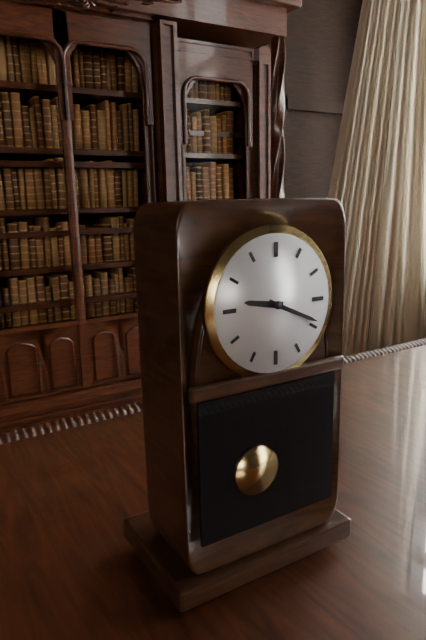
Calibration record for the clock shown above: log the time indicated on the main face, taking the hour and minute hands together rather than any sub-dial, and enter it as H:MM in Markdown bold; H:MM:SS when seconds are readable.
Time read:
**9:19**
